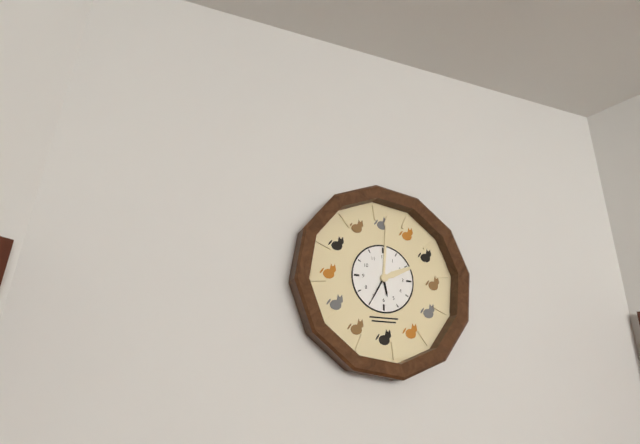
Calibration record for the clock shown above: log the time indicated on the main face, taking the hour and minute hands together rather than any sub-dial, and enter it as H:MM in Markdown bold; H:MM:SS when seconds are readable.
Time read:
**5:35**
